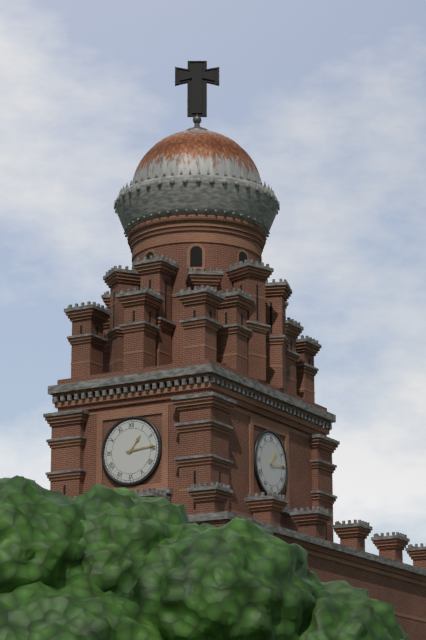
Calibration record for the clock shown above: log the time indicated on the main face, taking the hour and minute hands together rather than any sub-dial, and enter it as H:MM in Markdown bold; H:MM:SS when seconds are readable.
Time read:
**1:14**
